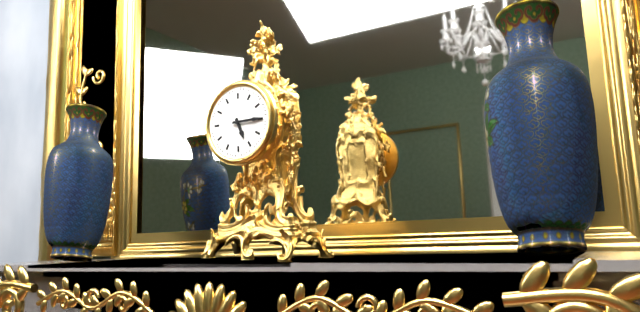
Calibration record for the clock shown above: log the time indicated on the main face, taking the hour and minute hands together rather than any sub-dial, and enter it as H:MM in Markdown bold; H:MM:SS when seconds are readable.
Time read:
**5:15**
